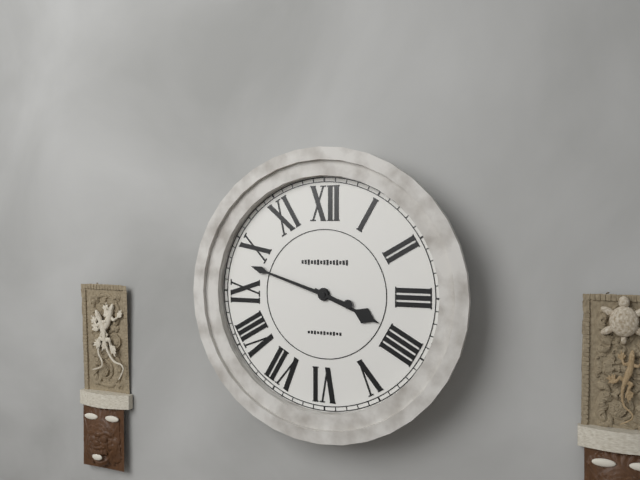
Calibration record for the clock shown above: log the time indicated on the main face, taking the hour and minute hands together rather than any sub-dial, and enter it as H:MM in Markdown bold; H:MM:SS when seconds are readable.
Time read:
**3:48**
